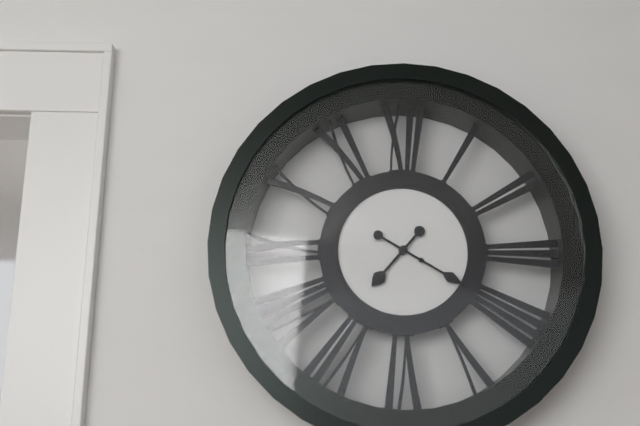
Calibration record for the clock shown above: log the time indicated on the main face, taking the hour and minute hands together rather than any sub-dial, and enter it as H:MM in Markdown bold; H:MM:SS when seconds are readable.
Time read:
**7:20**
